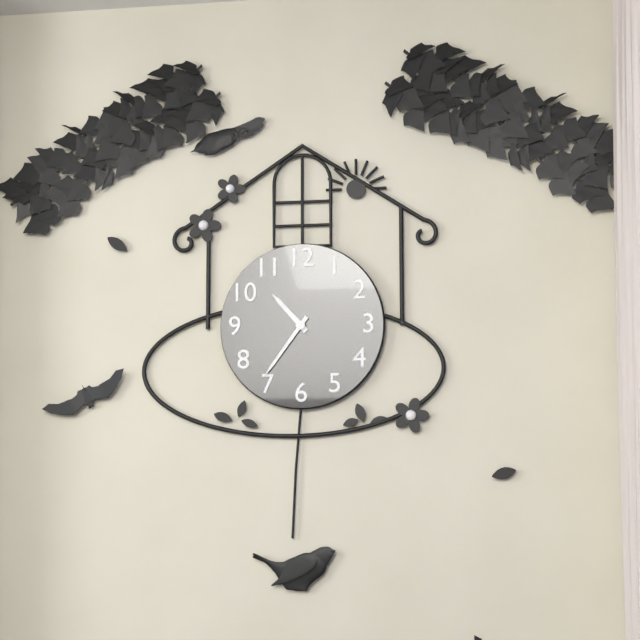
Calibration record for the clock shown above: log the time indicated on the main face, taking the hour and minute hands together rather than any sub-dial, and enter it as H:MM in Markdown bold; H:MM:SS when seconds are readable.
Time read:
**10:36**
